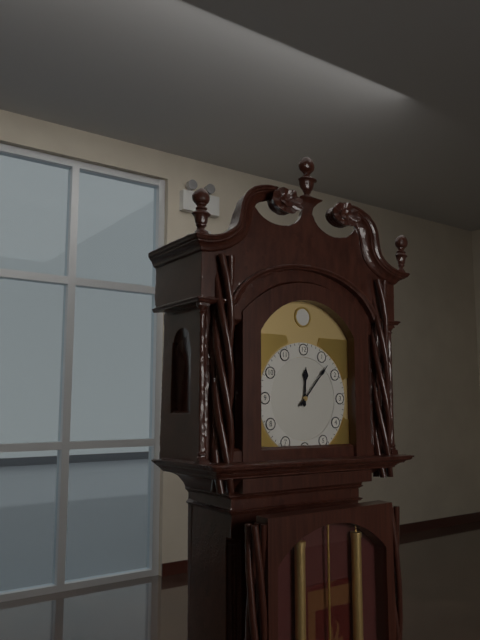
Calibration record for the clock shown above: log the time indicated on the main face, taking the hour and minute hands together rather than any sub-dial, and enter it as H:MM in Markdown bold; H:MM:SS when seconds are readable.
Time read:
**12:07**
